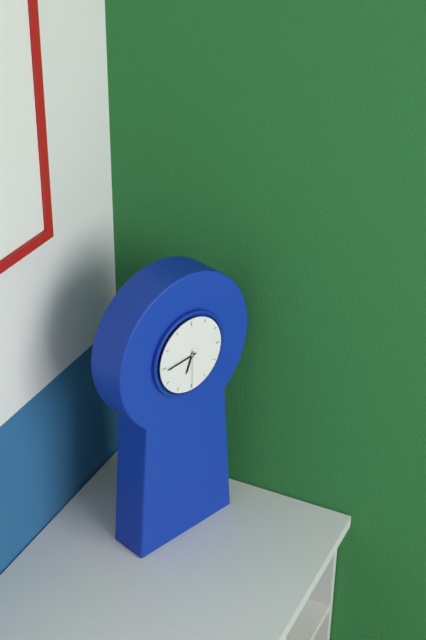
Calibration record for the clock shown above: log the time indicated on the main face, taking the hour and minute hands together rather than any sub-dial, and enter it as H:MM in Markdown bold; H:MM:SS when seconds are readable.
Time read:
**6:44**
